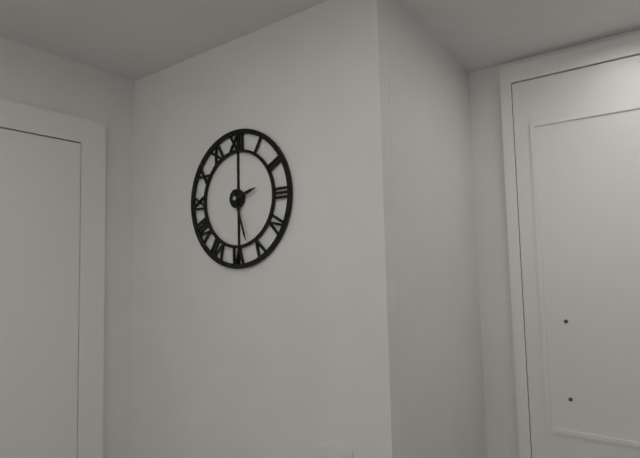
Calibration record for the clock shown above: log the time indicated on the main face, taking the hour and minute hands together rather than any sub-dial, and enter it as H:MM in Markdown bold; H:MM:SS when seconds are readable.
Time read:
**2:27**
